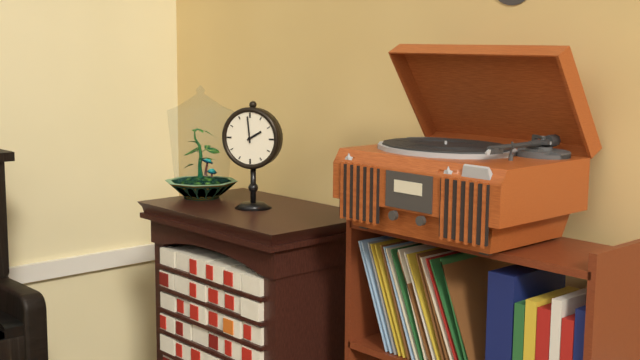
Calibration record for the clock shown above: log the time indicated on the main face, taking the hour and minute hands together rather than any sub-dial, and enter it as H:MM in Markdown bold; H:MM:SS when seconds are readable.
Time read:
**1:59**
